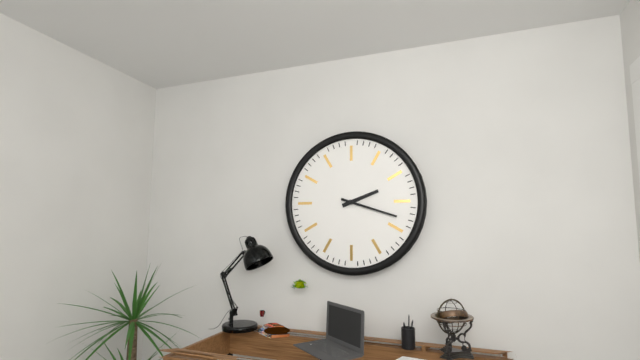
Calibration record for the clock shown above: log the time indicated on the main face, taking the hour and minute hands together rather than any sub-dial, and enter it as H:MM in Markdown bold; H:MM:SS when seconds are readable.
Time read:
**2:18**
